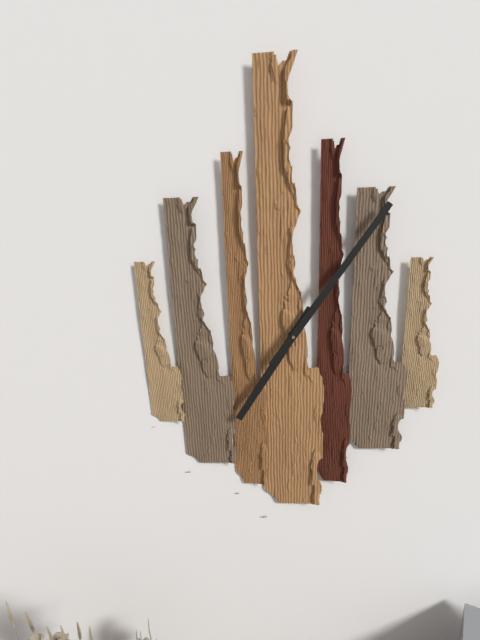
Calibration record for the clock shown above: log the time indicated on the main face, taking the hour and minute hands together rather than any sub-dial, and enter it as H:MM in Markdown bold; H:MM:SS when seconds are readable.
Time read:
**7:06**
